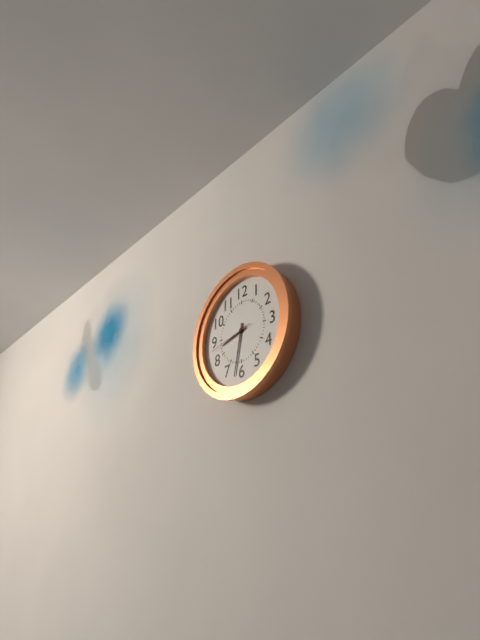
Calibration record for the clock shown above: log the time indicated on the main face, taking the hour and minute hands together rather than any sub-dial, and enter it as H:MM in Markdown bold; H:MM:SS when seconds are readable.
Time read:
**8:32**
